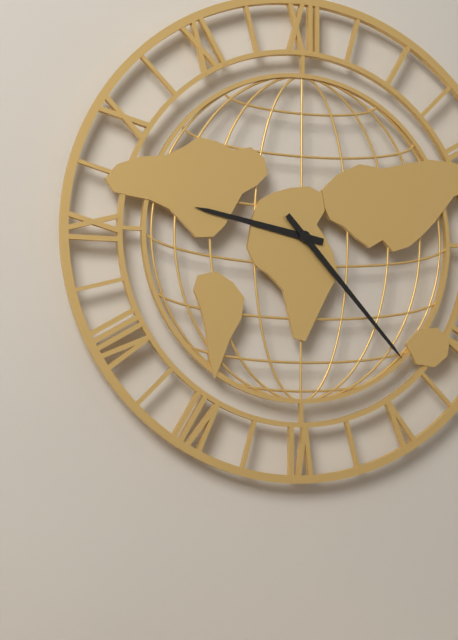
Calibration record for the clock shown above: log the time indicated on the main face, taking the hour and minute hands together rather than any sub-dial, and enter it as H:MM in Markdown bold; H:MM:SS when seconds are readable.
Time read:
**9:23**
